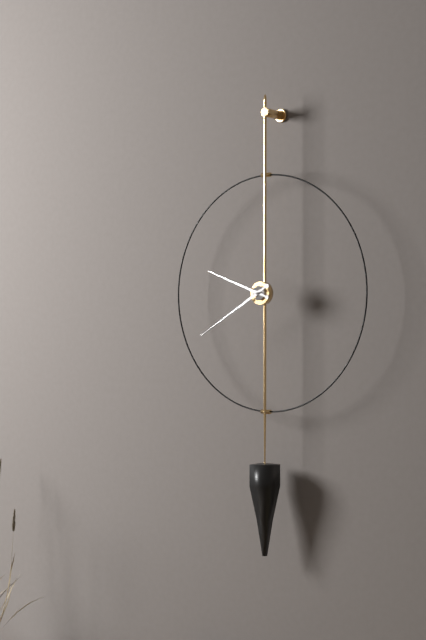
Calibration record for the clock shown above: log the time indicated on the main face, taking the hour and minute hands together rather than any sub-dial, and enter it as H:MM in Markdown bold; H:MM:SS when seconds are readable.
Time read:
**9:40**
